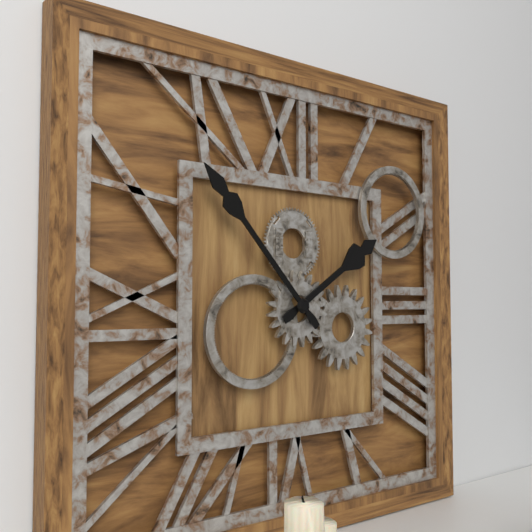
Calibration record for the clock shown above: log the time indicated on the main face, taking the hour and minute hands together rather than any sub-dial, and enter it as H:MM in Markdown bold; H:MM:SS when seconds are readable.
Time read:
**1:53**
